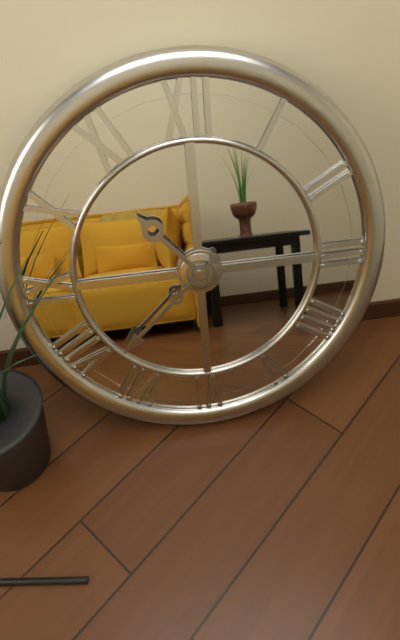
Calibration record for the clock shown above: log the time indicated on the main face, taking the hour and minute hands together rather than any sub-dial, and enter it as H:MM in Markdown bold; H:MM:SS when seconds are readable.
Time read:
**10:38**
